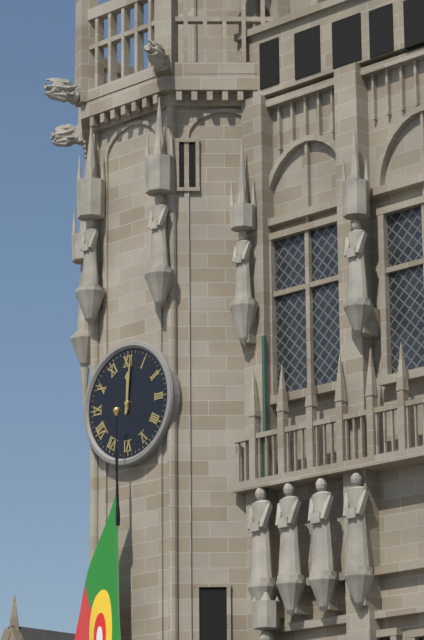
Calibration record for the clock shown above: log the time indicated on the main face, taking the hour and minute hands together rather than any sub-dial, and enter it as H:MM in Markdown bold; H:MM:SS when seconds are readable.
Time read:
**12:01**
